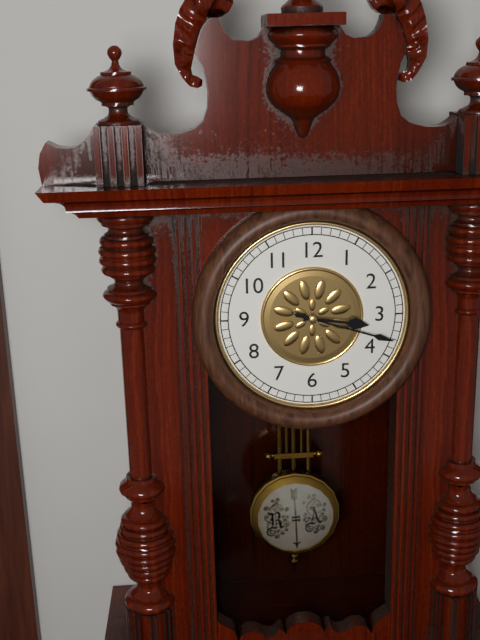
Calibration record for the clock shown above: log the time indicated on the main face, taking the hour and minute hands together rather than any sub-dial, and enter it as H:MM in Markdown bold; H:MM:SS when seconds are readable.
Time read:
**3:18**
